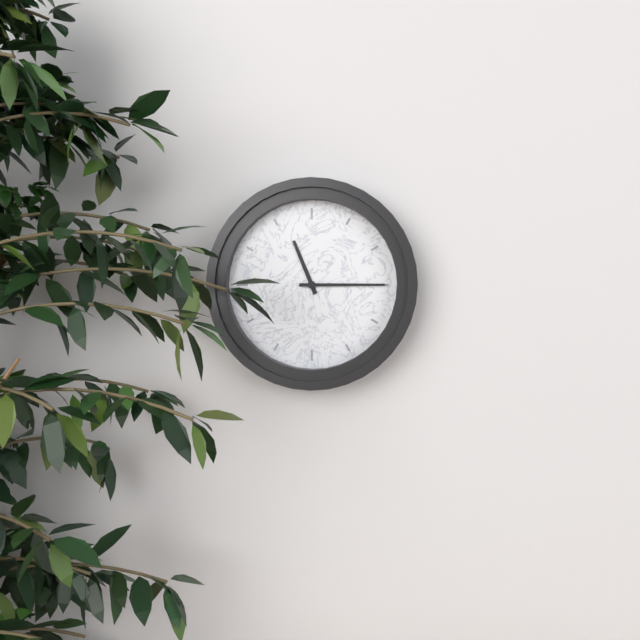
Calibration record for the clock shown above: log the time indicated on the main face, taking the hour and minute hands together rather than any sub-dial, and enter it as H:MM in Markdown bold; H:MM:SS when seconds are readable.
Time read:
**11:15**
